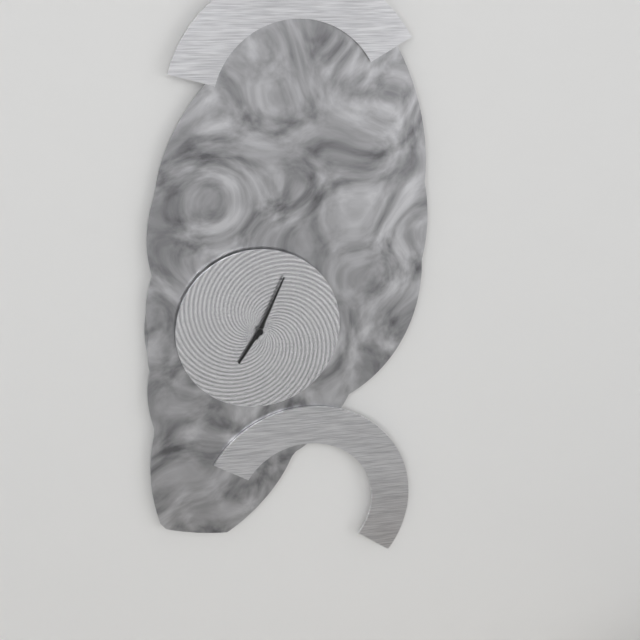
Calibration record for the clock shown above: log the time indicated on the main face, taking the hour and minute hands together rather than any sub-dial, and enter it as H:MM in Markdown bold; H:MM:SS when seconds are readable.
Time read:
**7:04**
